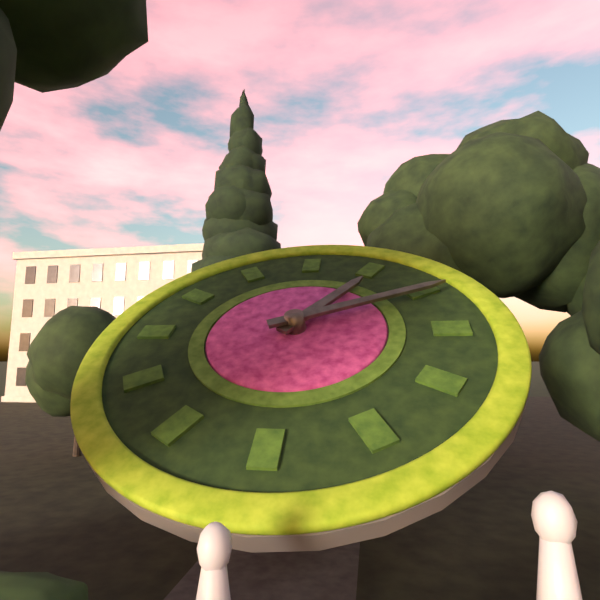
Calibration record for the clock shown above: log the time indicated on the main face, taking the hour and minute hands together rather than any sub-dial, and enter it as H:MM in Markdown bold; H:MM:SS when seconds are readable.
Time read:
**1:11**
